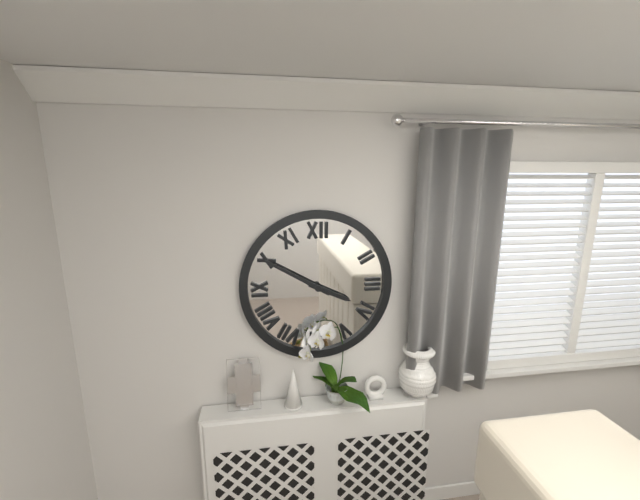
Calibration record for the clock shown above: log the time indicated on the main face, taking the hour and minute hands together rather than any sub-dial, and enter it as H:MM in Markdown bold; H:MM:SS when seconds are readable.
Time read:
**3:50**
